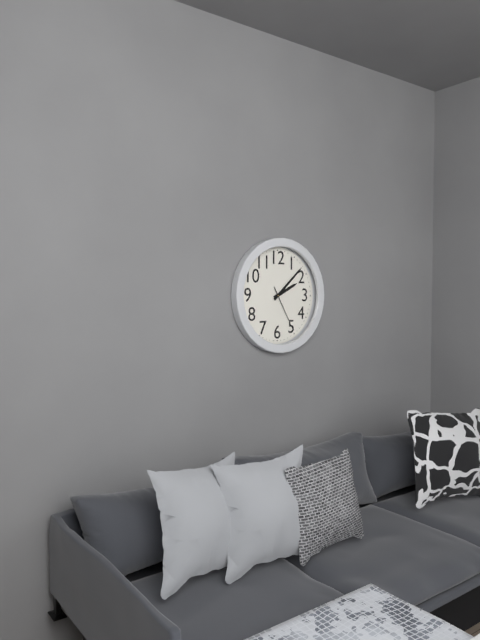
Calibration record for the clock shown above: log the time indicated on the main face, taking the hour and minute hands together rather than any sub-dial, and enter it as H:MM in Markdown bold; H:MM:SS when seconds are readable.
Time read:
**2:08**
